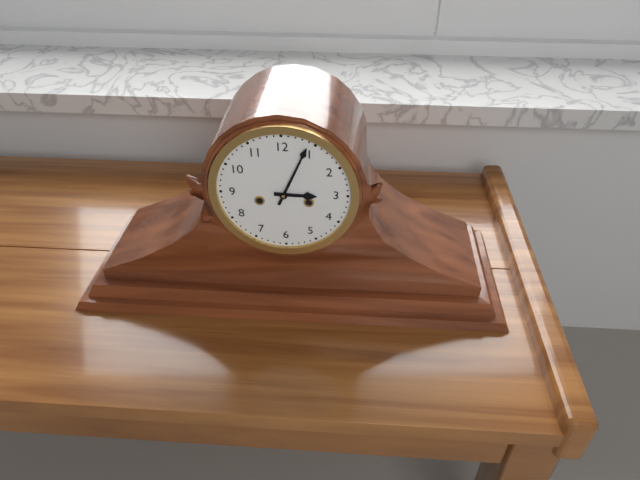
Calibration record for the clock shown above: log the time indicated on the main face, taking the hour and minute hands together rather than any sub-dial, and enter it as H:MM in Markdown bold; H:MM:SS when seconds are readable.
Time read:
**3:04**
